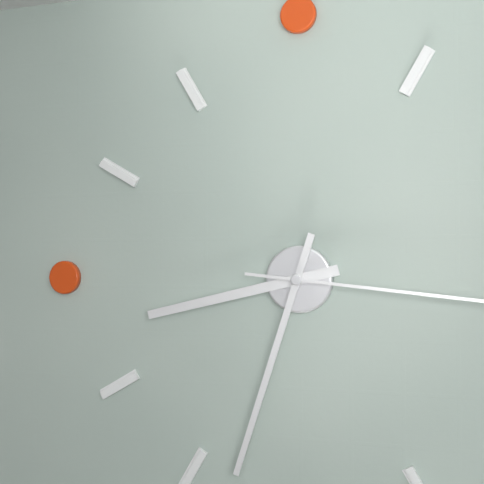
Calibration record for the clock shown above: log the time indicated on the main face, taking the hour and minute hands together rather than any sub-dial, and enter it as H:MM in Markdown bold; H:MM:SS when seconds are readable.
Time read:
**8:33**
